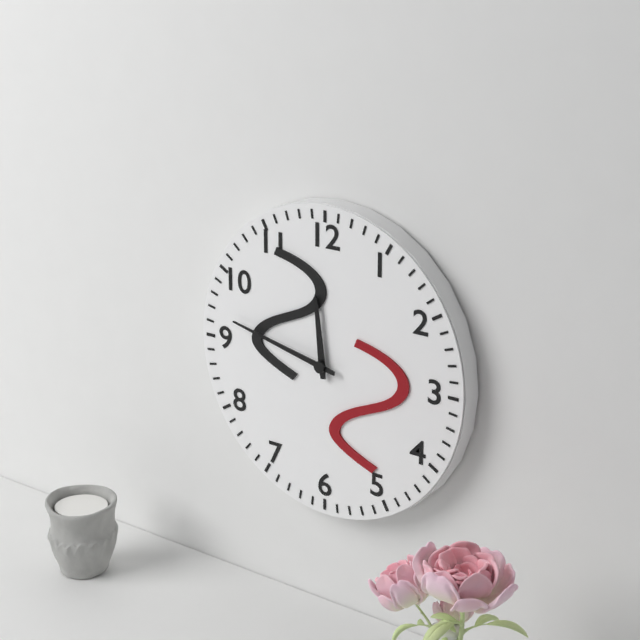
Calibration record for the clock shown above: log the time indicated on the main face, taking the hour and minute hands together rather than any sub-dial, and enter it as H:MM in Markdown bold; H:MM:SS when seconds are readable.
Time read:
**11:47**
